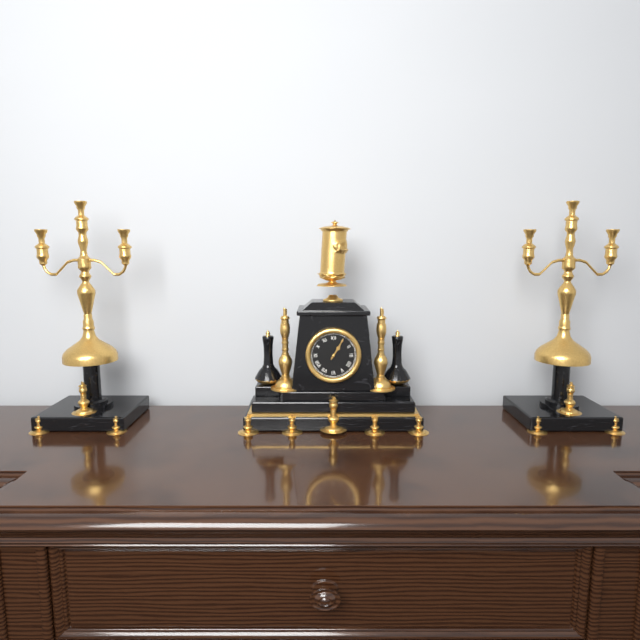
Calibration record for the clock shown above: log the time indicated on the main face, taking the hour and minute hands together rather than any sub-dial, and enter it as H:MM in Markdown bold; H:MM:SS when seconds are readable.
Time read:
**1:05**
